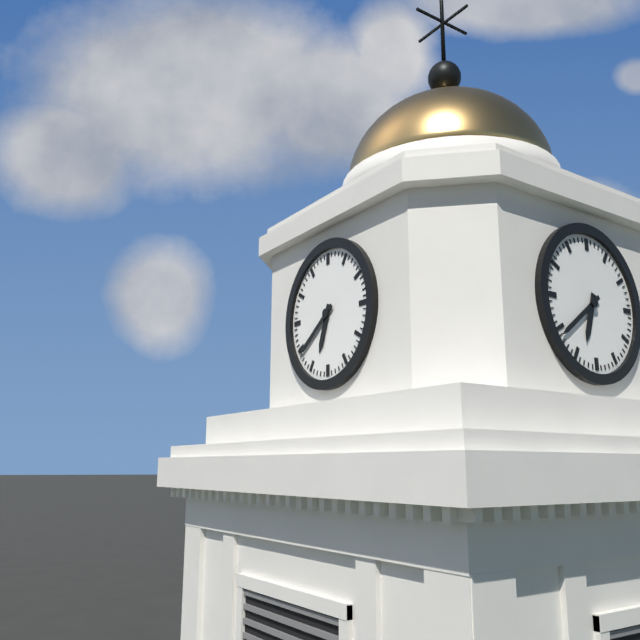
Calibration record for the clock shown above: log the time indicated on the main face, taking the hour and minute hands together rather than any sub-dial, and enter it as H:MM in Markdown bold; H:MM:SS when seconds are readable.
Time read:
**6:39**
